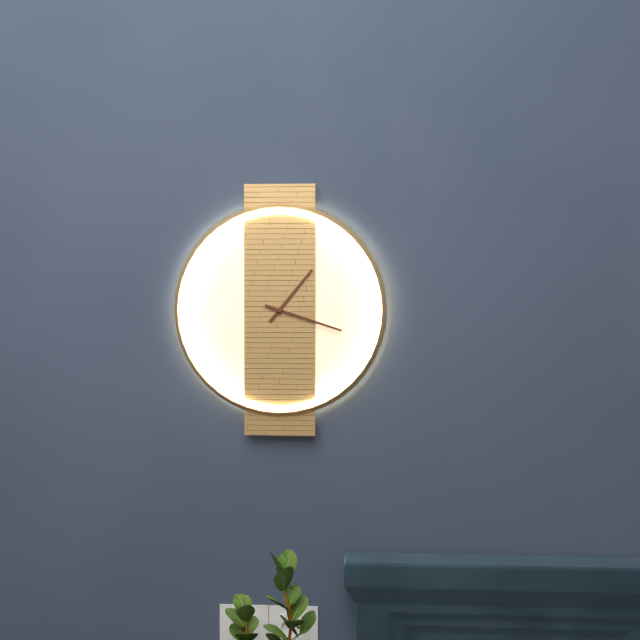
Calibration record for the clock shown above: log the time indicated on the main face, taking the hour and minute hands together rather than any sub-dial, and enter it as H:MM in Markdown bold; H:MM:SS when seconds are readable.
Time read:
**1:18**
